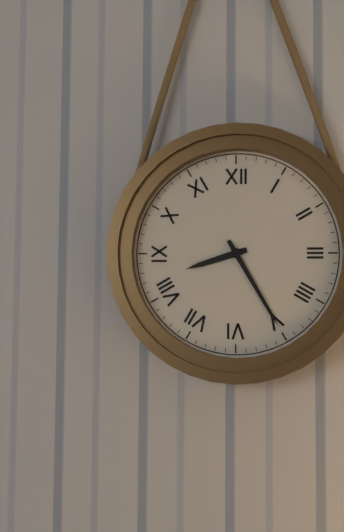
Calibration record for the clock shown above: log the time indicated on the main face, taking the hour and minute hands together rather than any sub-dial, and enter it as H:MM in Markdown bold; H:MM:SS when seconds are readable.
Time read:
**8:25**
